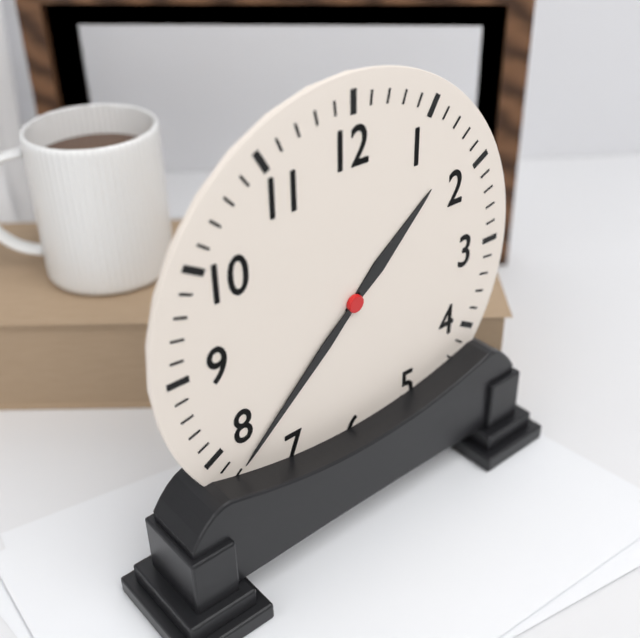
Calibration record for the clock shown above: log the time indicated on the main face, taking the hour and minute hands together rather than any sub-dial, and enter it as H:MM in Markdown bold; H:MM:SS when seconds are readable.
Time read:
**1:38**
